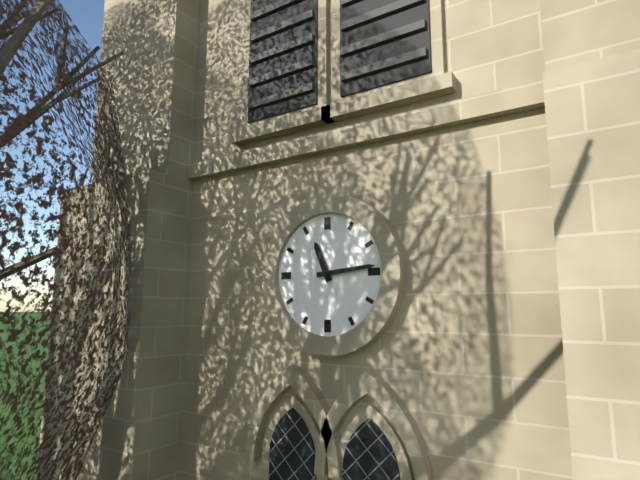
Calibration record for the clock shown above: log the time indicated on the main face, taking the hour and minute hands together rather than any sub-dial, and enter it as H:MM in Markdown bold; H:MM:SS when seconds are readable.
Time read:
**11:14**
